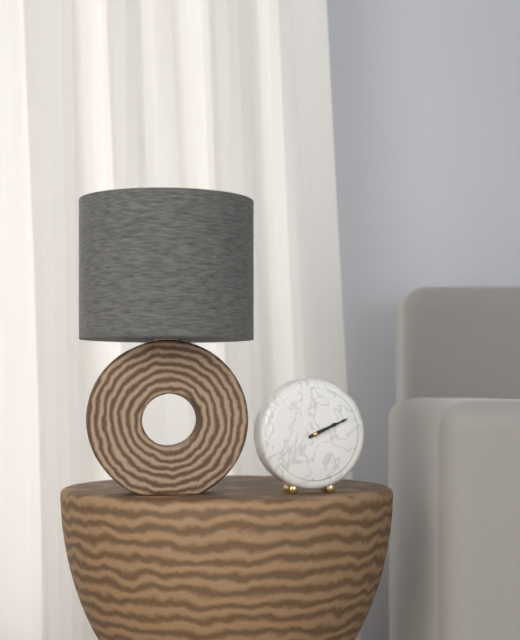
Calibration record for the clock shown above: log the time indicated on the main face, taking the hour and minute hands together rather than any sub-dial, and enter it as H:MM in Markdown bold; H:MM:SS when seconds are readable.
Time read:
**2:11**
